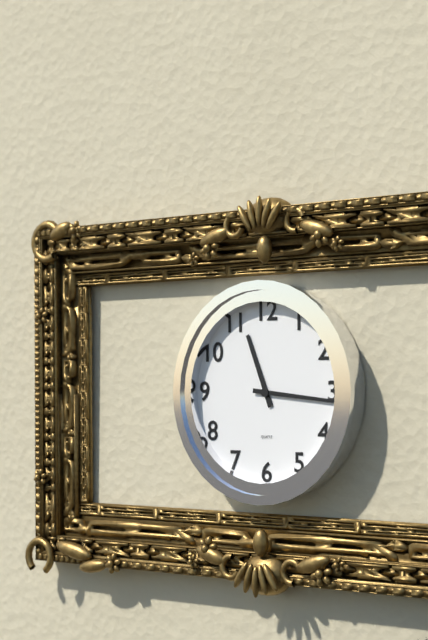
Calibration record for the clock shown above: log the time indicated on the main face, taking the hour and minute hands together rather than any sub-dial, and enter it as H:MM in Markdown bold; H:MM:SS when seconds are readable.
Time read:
**11:16**
